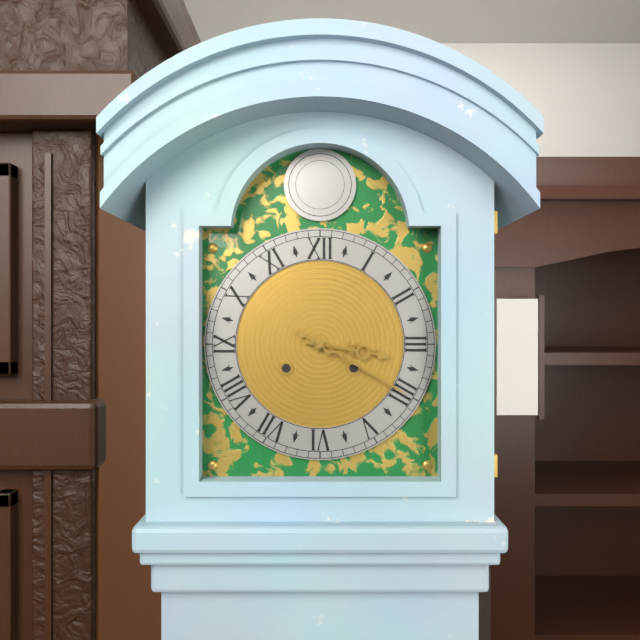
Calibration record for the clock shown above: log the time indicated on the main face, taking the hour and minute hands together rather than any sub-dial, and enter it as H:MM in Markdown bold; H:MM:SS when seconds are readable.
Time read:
**3:20**
